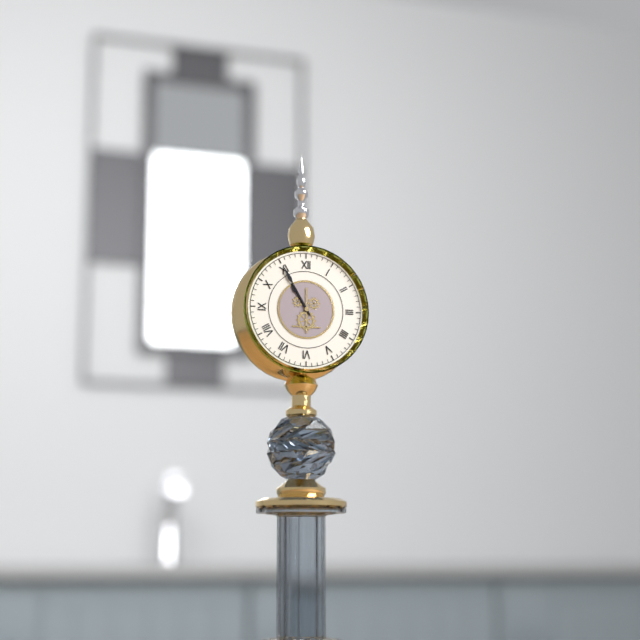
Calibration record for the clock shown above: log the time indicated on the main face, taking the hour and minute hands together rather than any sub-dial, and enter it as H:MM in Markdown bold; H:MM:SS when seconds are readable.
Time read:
**10:55**
